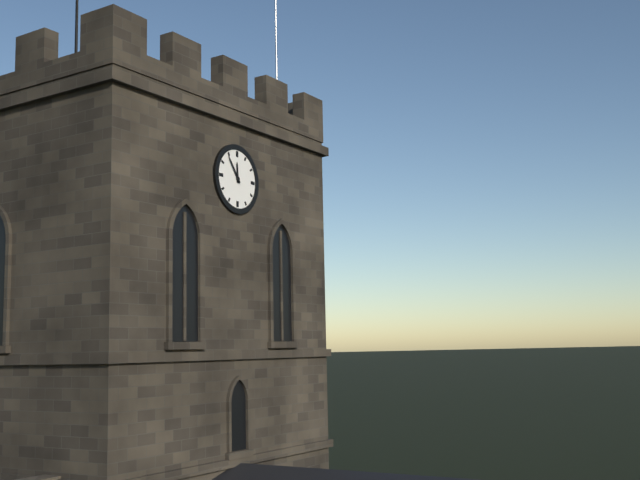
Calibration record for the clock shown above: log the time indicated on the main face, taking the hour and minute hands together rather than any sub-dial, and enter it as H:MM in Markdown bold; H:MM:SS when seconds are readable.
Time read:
**11:54**
